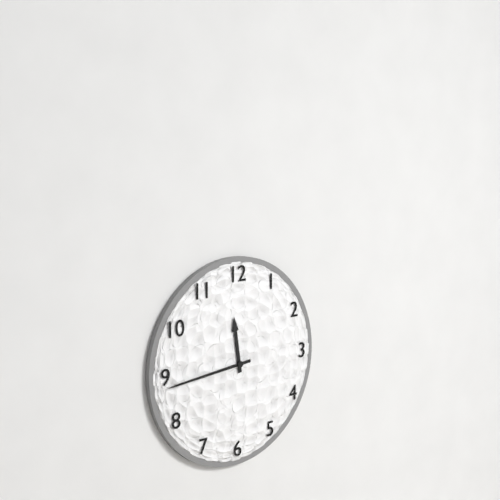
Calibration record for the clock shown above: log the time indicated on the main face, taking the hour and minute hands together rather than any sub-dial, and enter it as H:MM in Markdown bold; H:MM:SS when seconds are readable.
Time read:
**11:44**
